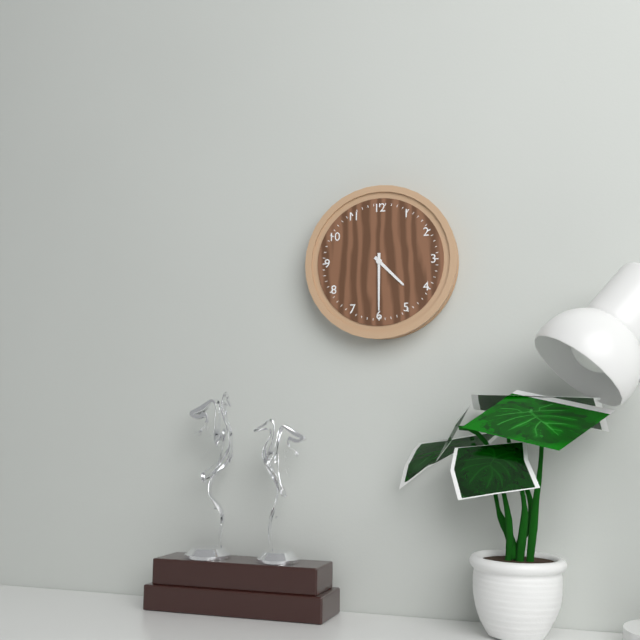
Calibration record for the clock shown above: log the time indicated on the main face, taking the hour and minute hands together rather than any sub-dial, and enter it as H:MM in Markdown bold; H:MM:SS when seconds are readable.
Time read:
**4:30**
